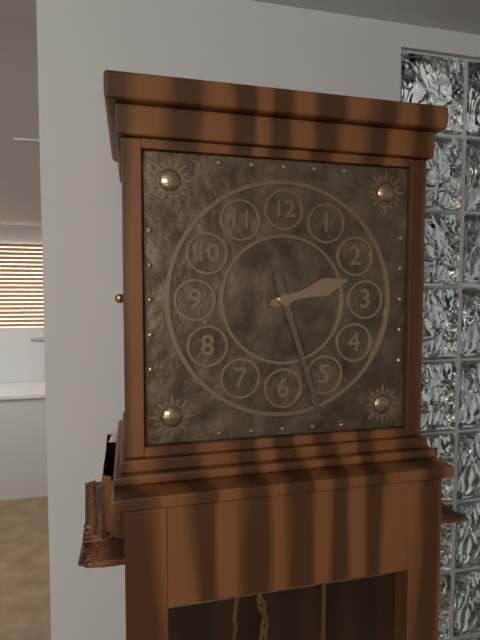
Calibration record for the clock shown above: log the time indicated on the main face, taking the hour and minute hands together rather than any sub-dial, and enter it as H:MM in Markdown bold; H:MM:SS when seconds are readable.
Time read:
**2:27**
